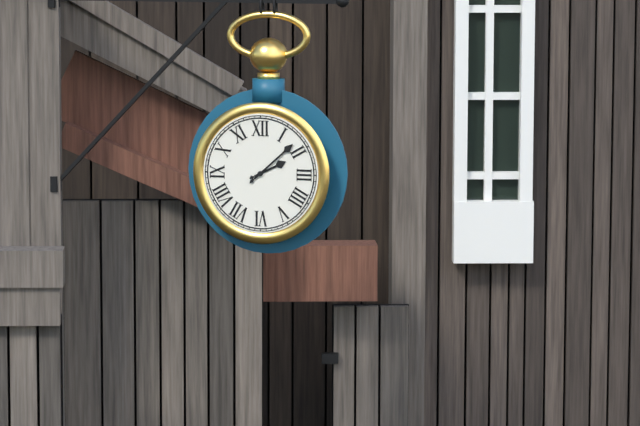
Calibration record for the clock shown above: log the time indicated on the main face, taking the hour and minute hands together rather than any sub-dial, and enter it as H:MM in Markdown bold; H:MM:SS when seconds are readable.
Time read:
**2:08**
